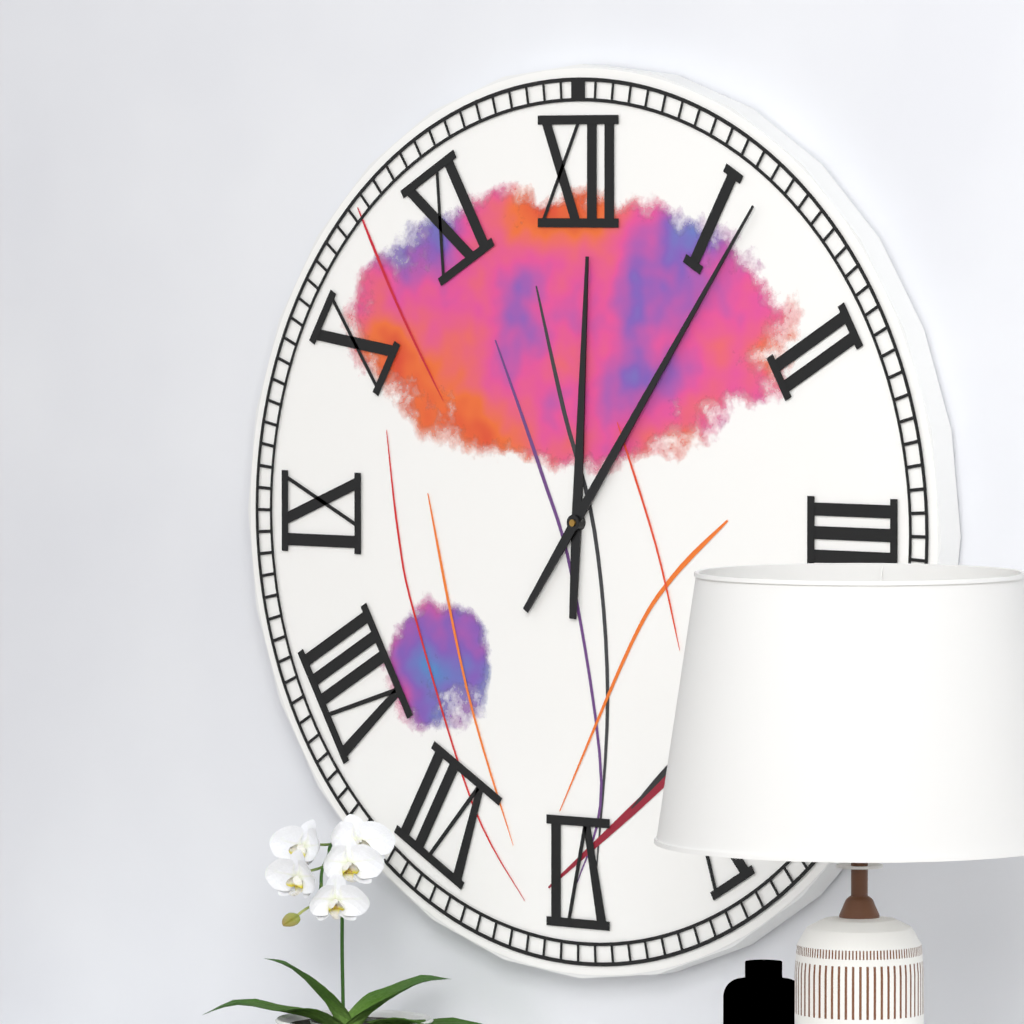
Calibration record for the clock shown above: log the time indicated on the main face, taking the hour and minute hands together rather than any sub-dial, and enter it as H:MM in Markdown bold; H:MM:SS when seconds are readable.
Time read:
**12:06**
